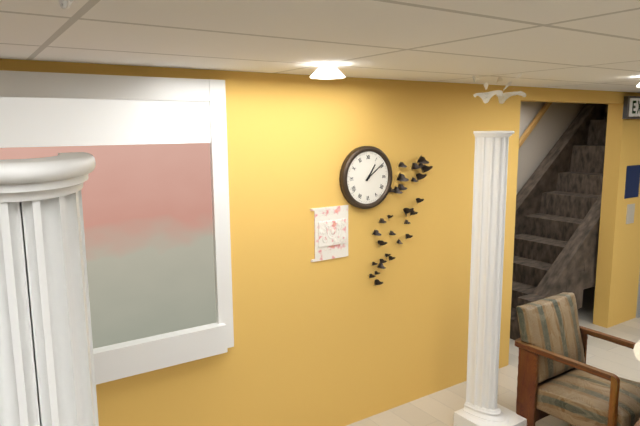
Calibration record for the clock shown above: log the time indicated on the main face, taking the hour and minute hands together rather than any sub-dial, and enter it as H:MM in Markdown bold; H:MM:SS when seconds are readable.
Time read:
**1:09**
